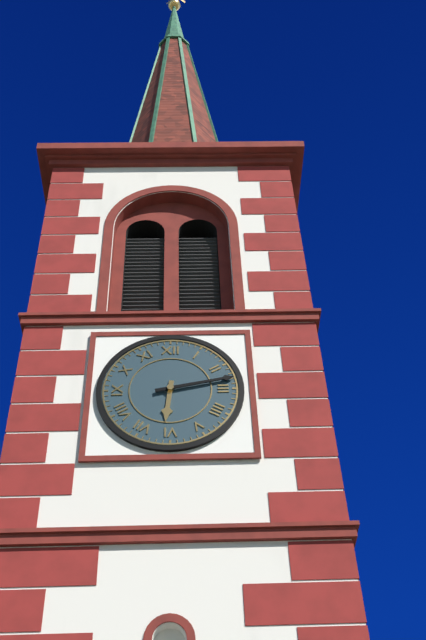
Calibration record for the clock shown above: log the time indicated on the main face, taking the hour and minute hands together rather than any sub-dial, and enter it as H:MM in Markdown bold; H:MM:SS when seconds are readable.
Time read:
**6:13**
